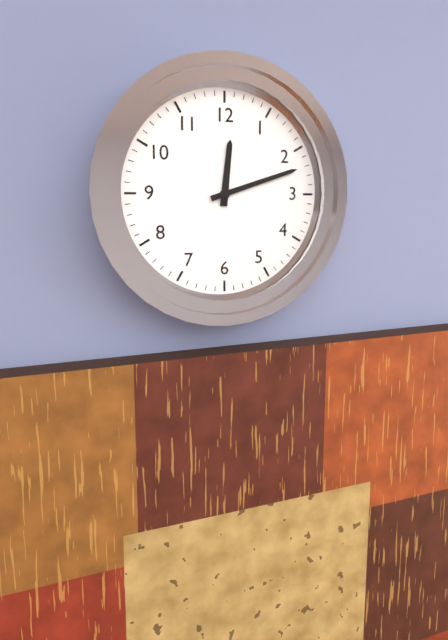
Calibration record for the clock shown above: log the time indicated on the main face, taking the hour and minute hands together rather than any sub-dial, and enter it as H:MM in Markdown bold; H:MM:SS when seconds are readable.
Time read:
**12:12**
